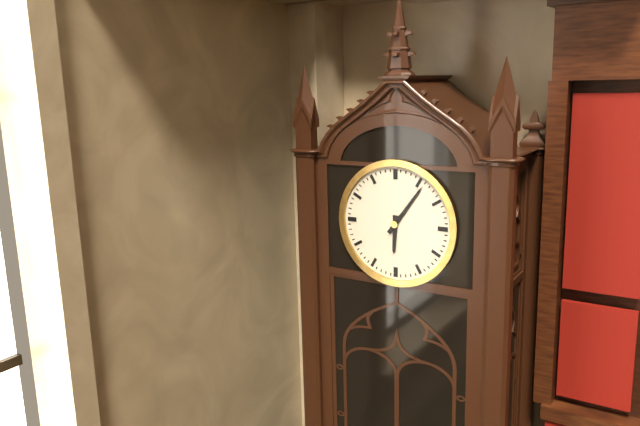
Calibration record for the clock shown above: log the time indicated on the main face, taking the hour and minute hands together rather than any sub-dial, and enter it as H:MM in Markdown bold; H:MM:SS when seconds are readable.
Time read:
**6:06**
